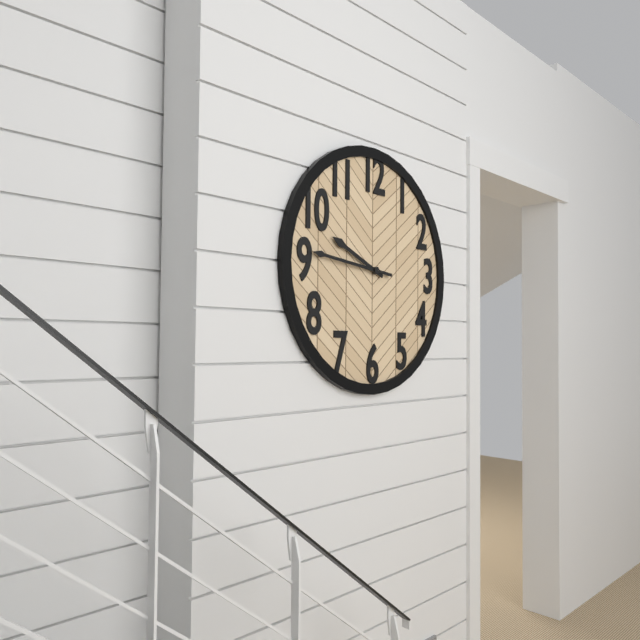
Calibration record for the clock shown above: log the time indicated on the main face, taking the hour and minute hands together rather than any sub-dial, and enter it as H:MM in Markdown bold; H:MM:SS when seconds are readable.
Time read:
**9:46**
